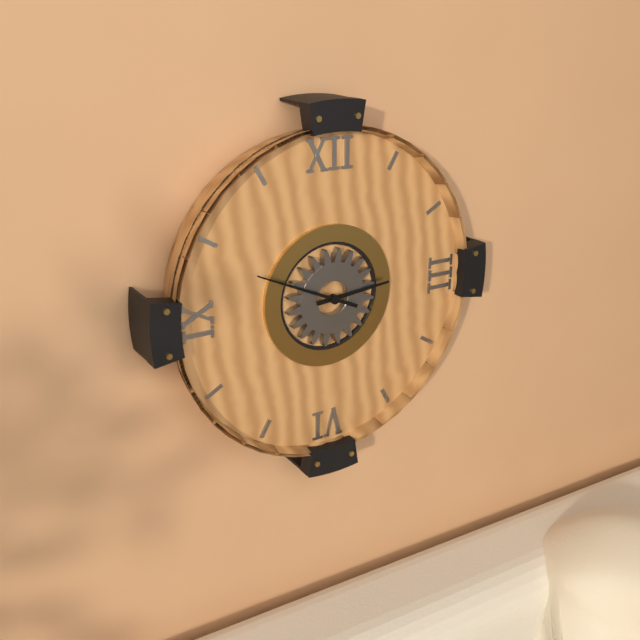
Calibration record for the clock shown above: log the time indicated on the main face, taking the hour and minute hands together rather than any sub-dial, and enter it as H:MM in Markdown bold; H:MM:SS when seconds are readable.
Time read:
**2:49**
